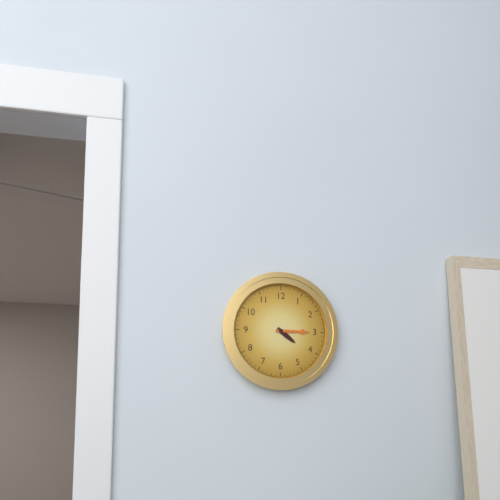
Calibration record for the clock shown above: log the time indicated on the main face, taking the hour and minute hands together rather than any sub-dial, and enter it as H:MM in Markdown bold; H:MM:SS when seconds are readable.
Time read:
**4:15**
